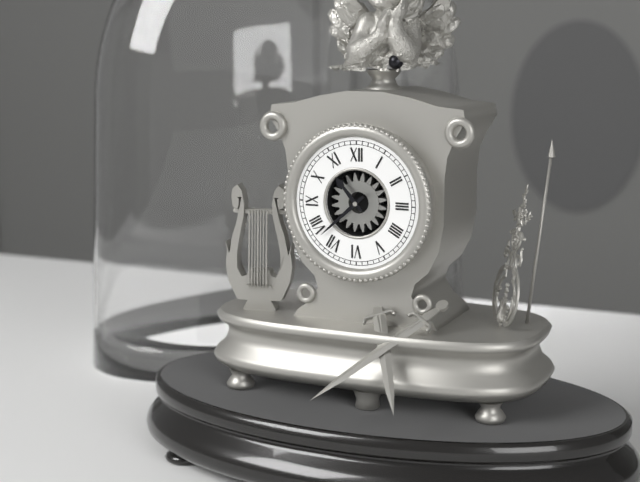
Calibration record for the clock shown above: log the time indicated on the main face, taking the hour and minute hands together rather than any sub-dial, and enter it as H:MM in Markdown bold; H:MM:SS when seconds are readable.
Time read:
**10:38**
